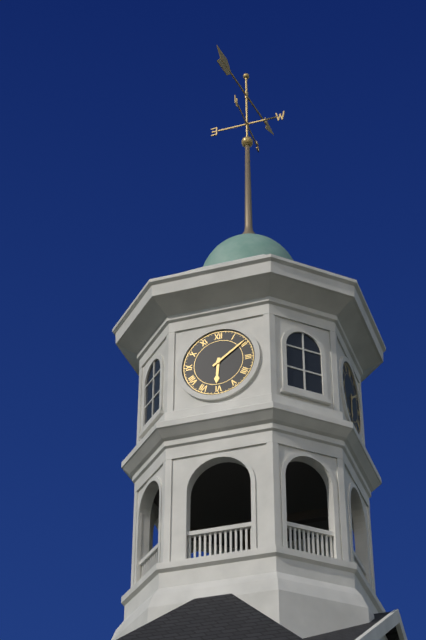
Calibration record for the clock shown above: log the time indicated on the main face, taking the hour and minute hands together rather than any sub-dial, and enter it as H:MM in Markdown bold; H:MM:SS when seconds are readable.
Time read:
**6:09**
